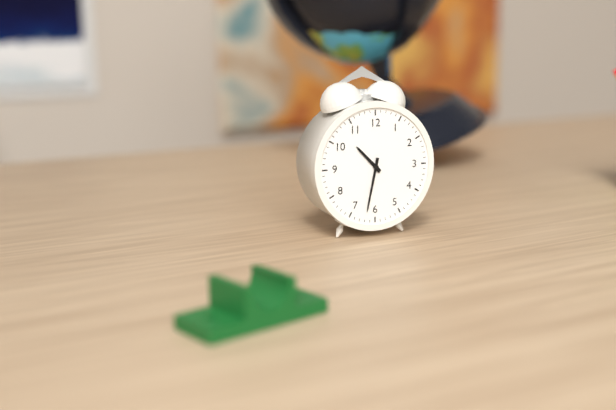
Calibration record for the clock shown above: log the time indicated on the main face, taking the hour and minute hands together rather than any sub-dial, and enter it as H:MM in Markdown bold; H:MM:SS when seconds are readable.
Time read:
**10:32**
